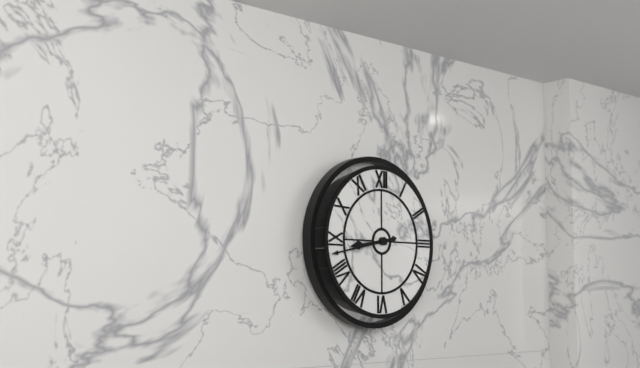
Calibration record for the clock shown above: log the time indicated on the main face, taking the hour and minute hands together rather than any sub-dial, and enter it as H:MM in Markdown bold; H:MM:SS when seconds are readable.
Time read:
**8:43**
